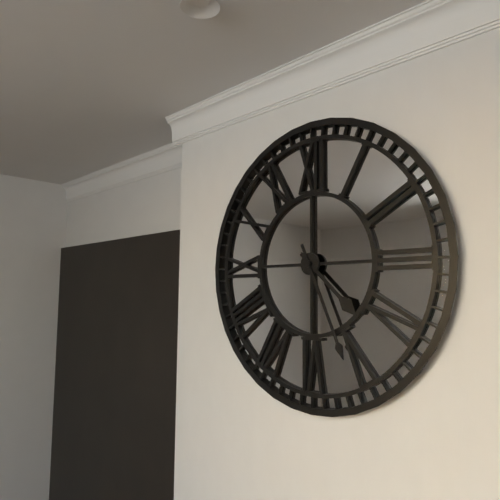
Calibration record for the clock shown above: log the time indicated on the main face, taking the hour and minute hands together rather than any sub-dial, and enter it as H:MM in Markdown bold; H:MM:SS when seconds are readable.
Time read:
**4:26**
